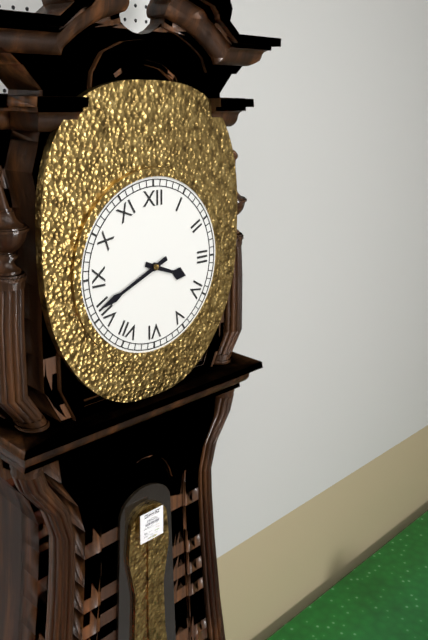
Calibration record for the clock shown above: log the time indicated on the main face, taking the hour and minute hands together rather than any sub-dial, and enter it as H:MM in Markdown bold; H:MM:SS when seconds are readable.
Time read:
**3:41**
